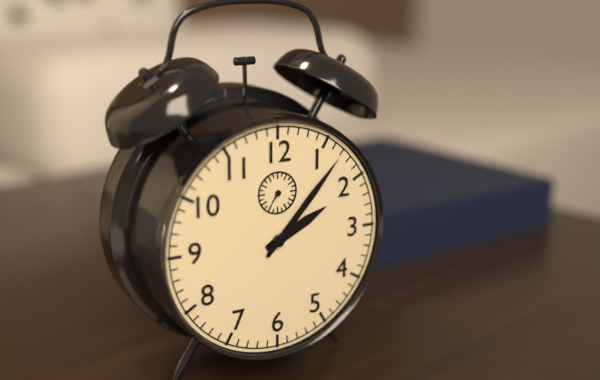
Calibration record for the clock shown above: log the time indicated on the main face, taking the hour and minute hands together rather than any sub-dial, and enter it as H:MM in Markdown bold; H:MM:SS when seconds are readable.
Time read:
**2:07**
